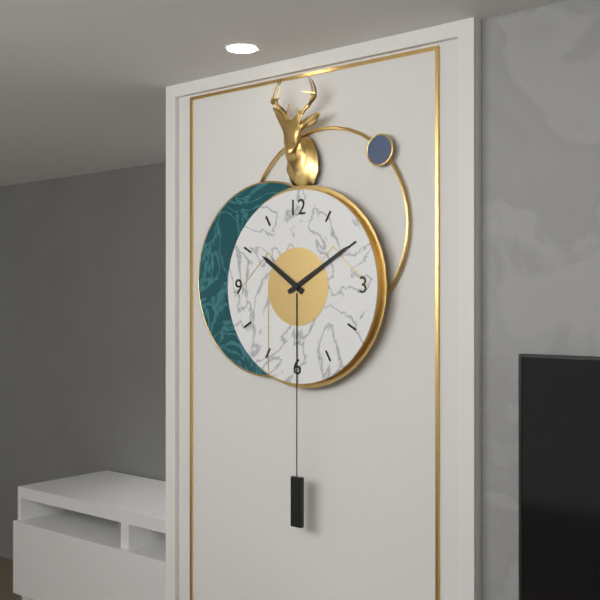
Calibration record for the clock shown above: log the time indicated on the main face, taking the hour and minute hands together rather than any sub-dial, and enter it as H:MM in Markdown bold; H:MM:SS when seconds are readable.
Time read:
**10:10**
